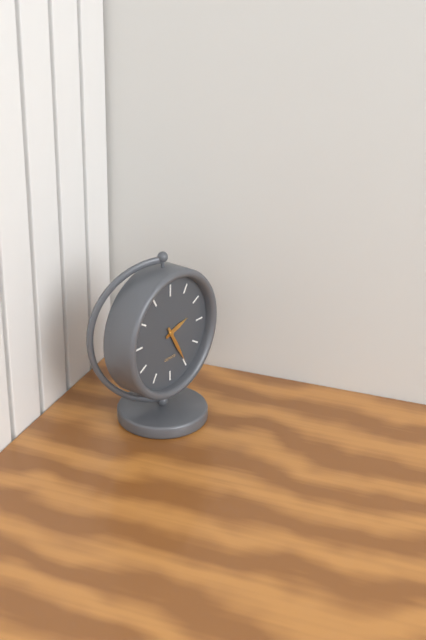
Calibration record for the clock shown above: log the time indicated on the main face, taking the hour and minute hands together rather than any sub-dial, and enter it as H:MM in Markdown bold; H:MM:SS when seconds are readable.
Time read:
**2:25**
